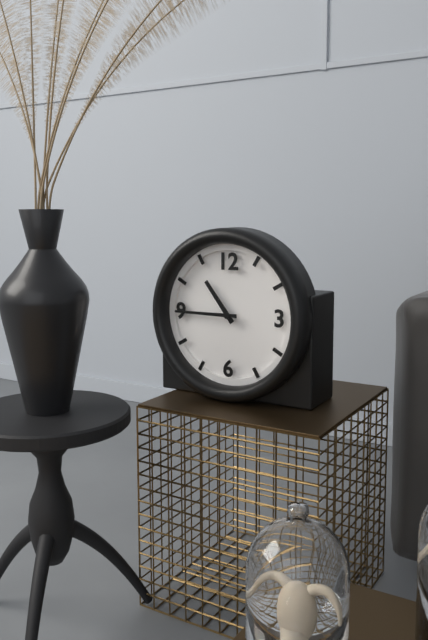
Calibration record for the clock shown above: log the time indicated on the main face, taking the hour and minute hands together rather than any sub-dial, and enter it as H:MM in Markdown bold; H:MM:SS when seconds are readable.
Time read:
**10:45**
